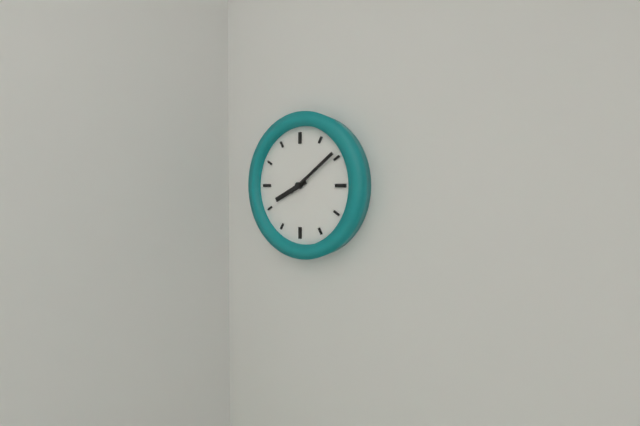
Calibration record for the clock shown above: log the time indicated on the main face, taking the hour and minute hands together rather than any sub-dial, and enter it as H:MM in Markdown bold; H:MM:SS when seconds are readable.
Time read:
**8:09**
